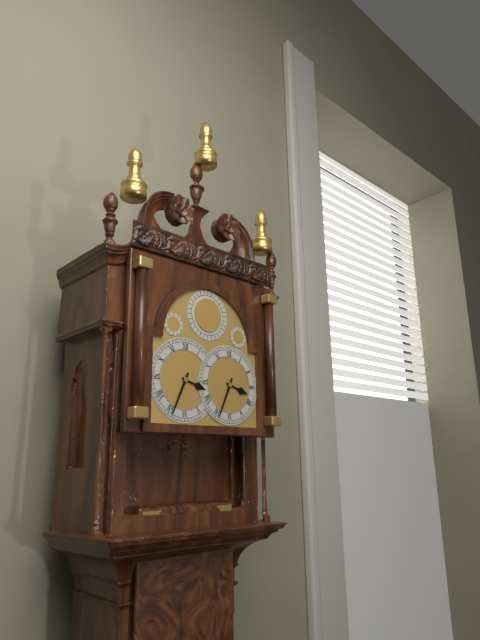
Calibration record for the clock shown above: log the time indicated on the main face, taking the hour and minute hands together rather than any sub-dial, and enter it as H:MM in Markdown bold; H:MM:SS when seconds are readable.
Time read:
**3:34**
